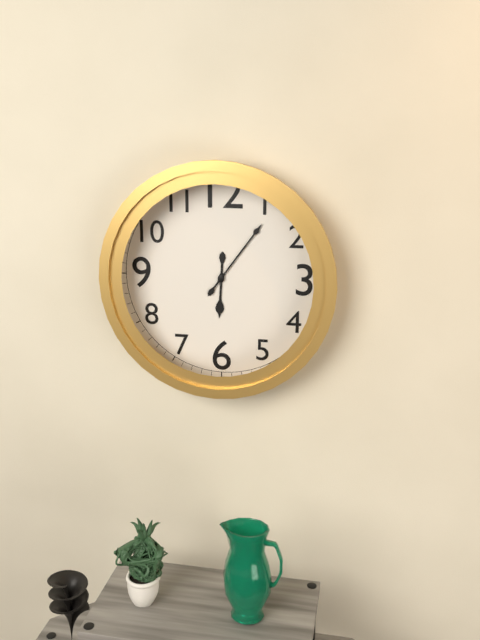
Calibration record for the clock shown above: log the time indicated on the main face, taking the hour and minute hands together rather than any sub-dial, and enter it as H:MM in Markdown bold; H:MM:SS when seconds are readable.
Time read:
**6:06**
